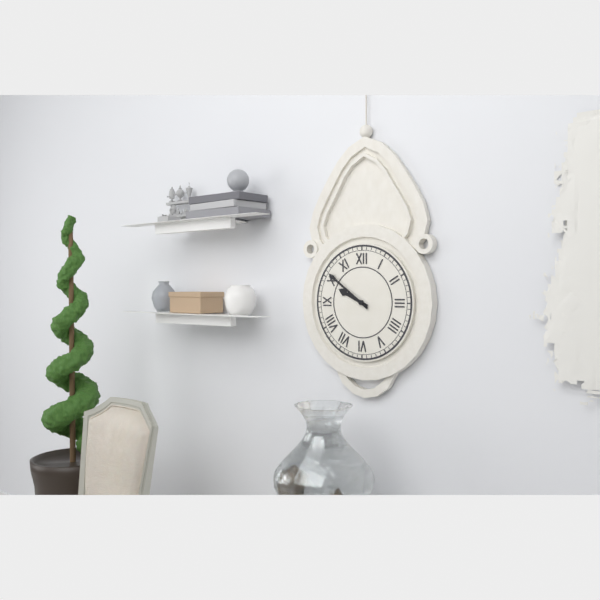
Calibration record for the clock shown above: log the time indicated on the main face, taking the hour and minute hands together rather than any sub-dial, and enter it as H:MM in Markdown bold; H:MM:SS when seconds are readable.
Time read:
**9:51**
